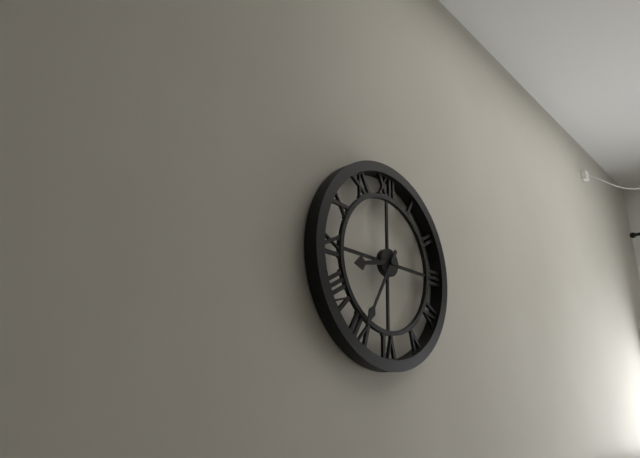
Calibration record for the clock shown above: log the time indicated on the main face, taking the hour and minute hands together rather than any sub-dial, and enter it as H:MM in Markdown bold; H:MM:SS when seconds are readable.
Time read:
**8:35**
